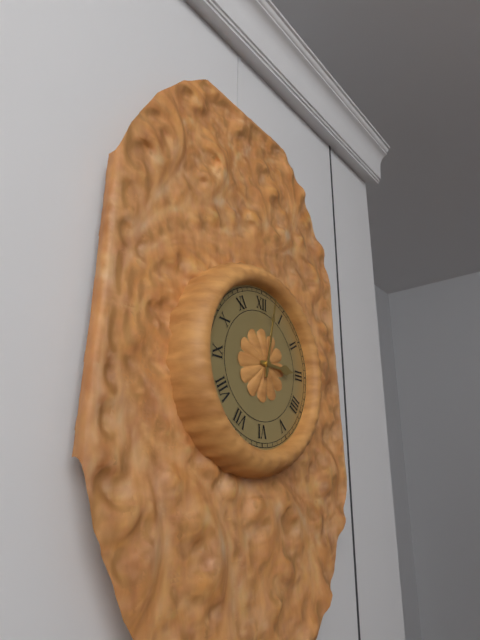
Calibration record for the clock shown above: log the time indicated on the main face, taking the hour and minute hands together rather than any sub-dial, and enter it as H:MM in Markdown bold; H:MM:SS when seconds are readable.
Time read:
**3:02**
